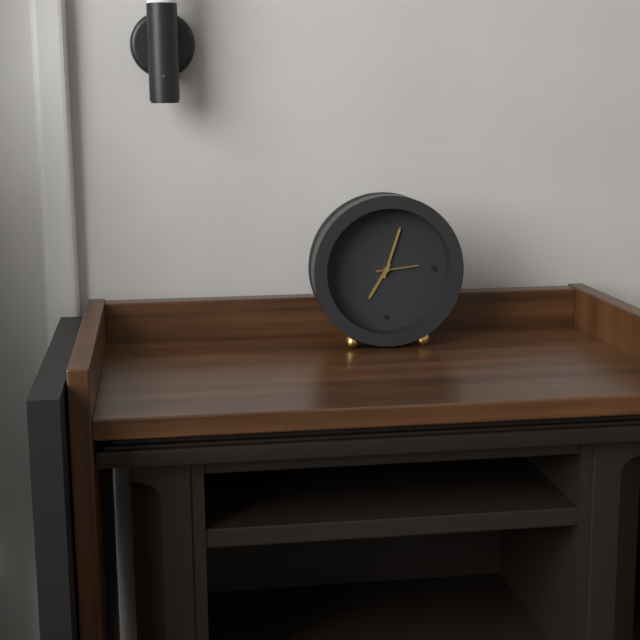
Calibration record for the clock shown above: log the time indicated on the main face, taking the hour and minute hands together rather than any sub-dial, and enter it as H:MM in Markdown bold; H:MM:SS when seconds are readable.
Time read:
**7:03**
